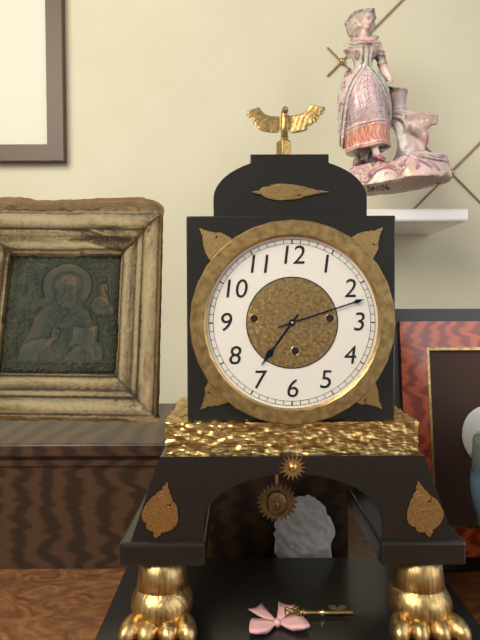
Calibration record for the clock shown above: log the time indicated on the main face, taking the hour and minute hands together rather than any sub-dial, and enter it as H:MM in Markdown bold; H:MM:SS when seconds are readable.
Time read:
**7:12**
